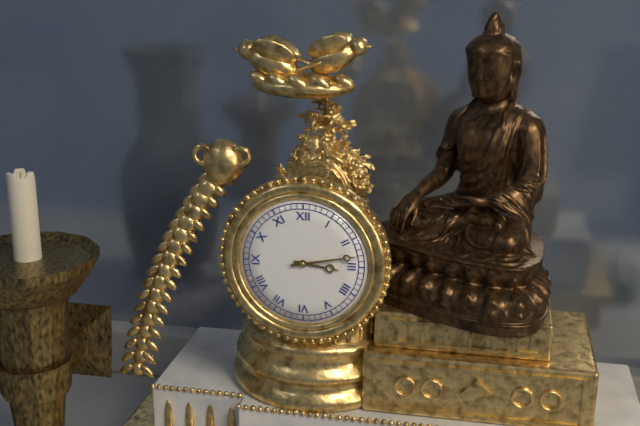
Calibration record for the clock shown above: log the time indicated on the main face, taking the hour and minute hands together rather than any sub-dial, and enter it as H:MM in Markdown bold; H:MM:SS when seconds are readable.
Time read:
**3:13**
